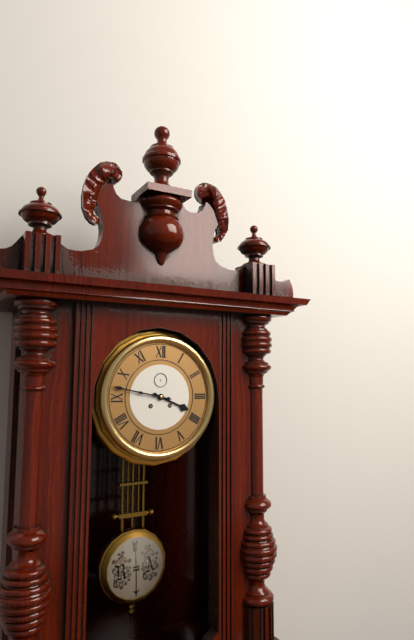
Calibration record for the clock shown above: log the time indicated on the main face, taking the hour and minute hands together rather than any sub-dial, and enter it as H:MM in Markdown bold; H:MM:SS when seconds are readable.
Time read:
**3:47**
